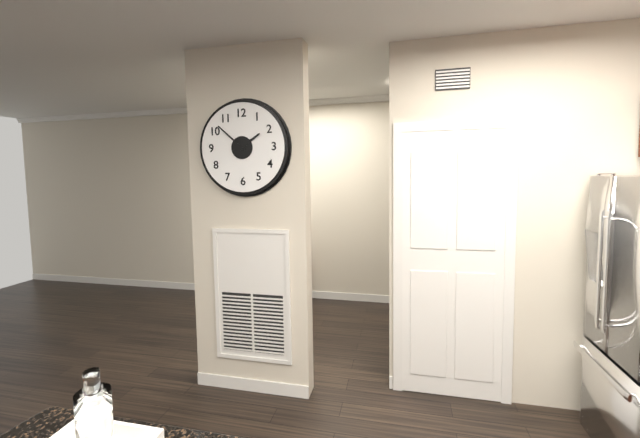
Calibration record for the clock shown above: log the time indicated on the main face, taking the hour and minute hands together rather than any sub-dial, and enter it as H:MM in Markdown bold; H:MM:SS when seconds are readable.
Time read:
**1:52**
